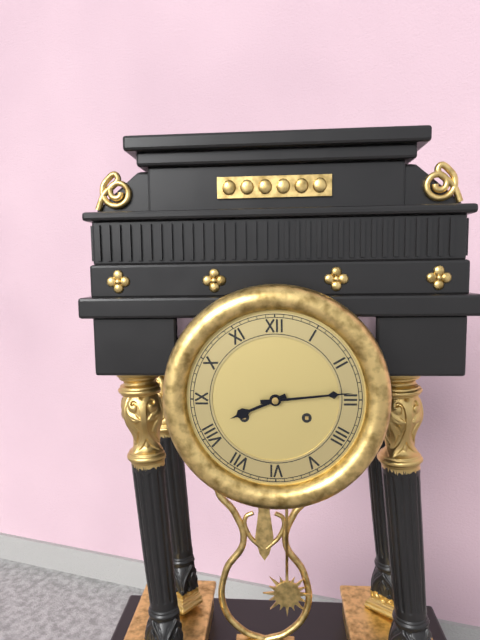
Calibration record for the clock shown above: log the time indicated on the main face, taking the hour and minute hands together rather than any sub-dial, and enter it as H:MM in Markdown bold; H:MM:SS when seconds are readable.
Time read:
**8:14**
